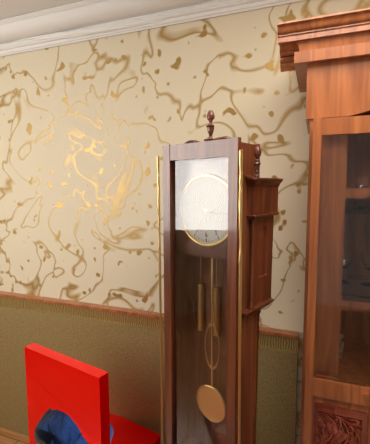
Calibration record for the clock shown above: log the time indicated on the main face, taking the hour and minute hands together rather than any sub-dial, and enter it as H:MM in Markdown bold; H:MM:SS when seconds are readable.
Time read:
**3:16**
